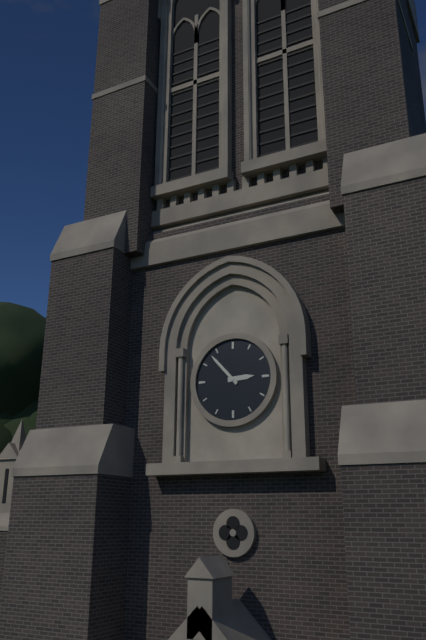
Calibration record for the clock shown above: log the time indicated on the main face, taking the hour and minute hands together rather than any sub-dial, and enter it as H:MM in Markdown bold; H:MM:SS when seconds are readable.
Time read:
**2:53**
